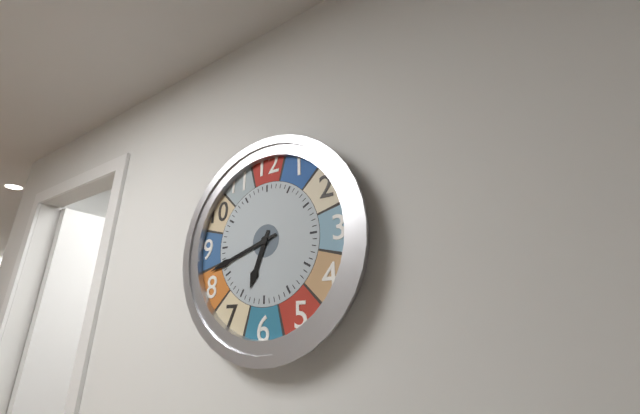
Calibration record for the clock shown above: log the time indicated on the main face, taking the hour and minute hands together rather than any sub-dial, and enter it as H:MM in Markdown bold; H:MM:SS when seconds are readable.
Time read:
**6:42**
